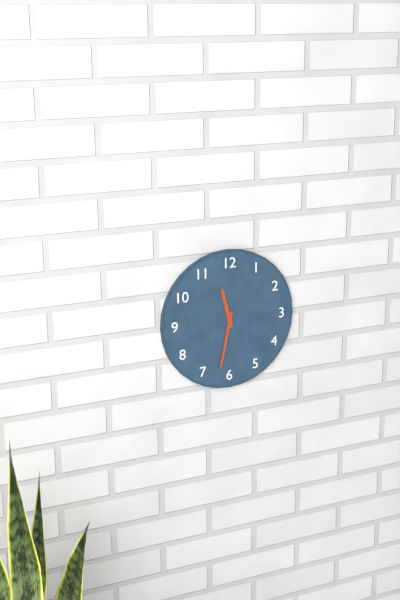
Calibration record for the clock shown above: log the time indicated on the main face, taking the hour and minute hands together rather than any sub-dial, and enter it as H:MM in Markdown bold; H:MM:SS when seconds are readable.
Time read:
**11:32**
